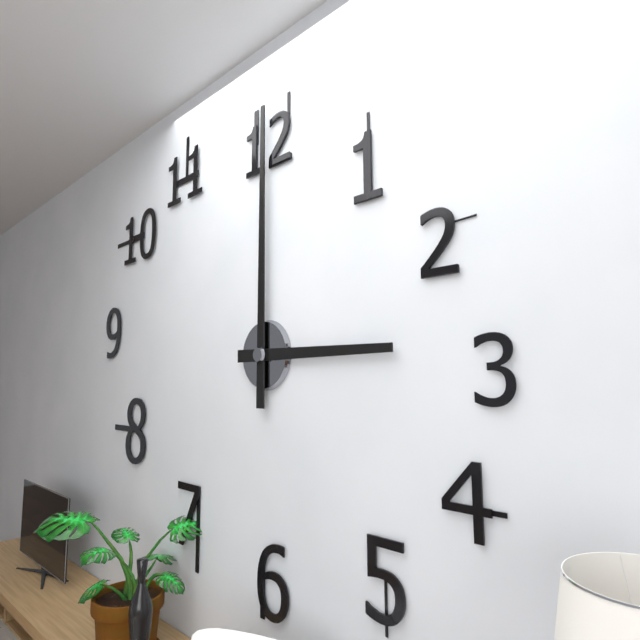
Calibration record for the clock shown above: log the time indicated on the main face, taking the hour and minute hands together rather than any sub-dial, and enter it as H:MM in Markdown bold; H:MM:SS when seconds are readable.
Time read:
**3:00**
